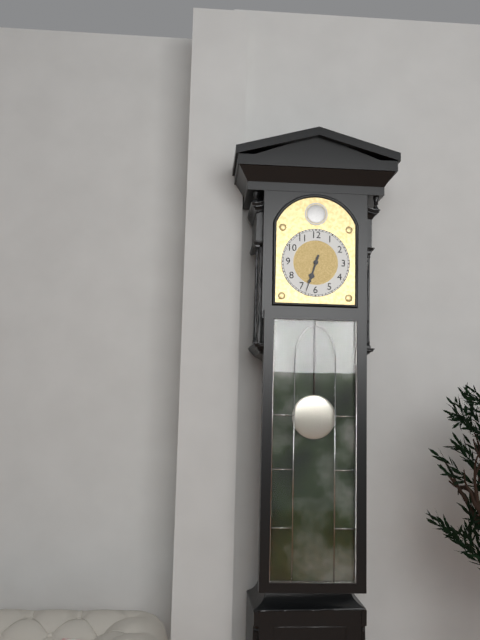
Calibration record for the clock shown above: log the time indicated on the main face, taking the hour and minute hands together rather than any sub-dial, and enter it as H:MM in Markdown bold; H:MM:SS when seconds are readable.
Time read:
**6:33**
